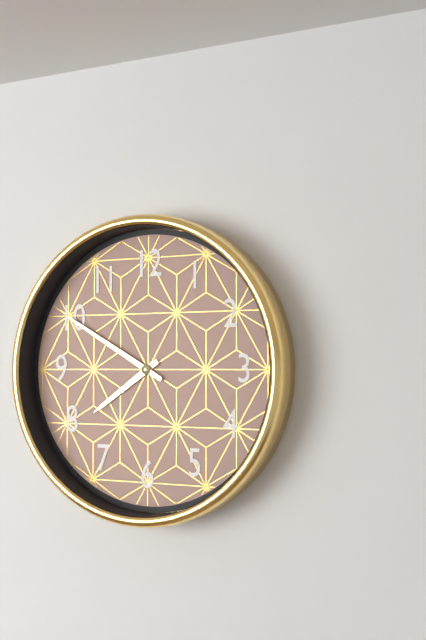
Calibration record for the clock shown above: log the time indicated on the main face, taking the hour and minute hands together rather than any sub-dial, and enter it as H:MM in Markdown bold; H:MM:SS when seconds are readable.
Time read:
**7:50**
